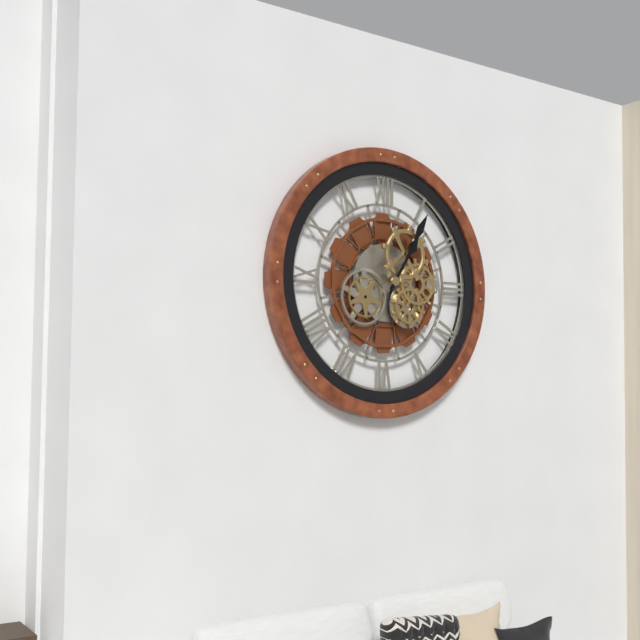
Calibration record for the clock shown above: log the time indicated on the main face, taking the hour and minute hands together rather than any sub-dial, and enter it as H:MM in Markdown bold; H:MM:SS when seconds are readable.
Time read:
**1:05**
